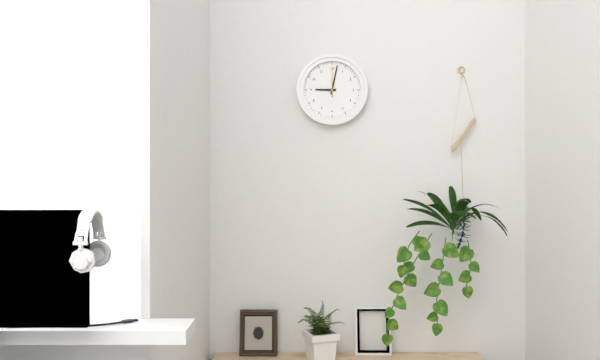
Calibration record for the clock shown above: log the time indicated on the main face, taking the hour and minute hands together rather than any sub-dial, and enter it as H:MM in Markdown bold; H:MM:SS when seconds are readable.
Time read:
**9:02**
